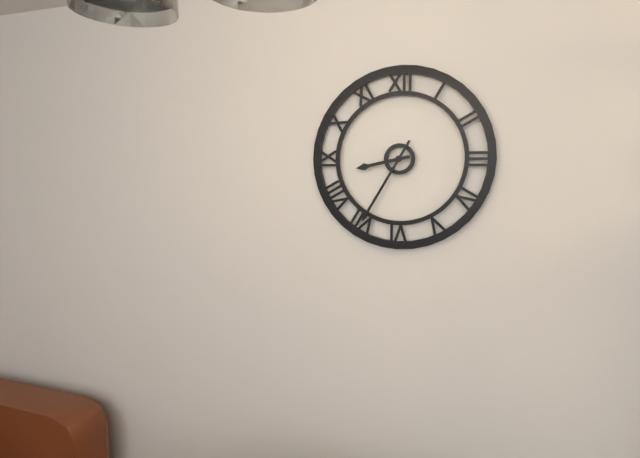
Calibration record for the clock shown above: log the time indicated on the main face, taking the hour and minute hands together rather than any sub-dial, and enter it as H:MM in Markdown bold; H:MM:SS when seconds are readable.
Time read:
**8:35**
